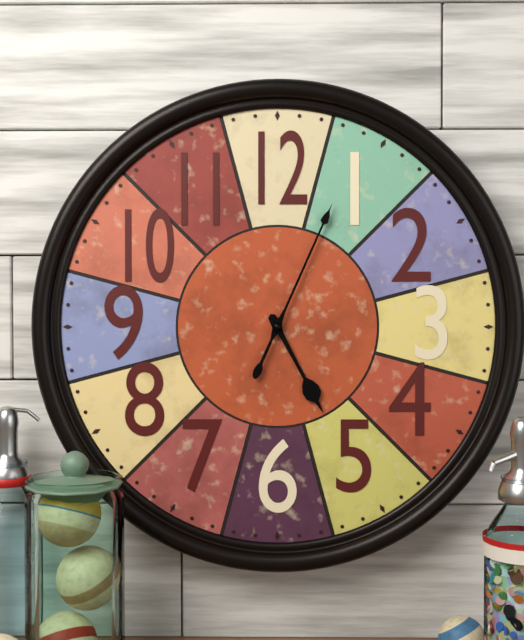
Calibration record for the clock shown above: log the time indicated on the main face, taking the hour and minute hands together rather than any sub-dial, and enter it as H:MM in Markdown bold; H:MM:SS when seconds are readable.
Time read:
**5:04**
